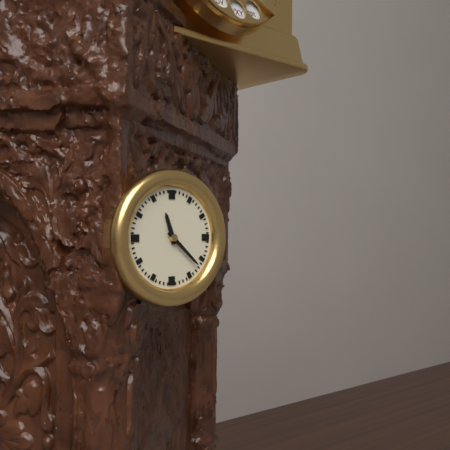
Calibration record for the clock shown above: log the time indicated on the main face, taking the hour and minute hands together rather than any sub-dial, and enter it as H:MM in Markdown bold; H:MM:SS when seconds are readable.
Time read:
**11:22**
